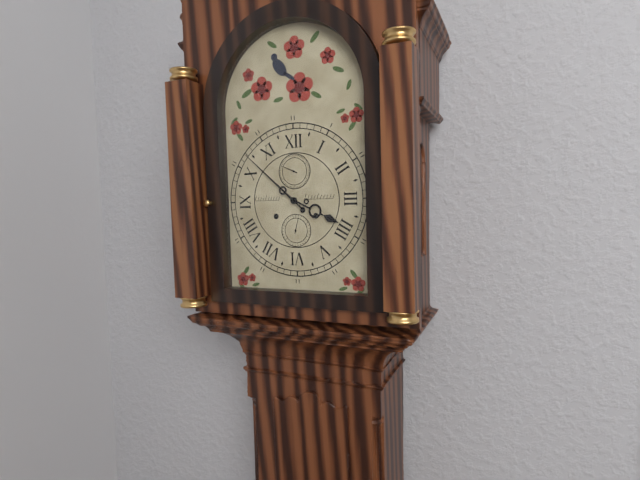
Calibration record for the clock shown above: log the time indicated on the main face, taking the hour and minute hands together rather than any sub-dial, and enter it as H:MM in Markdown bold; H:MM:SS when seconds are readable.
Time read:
**3:52**
